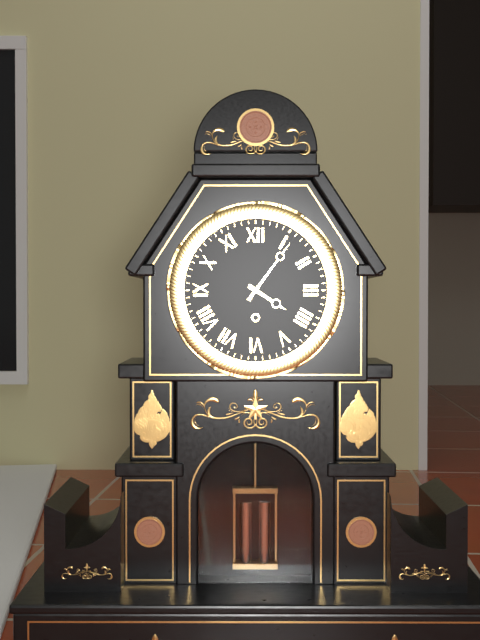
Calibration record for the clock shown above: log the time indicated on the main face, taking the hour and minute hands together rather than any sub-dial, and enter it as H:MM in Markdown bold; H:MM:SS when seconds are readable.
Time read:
**4:06**
